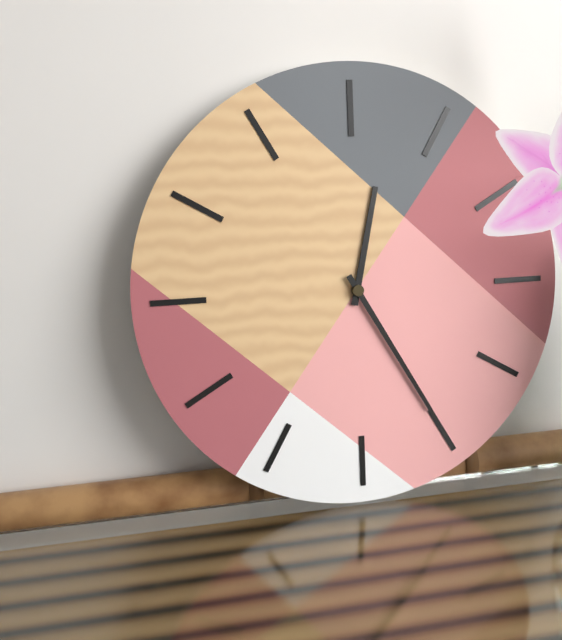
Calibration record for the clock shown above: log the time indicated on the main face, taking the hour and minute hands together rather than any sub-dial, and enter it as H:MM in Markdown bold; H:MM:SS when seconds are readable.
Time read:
**12:25**
